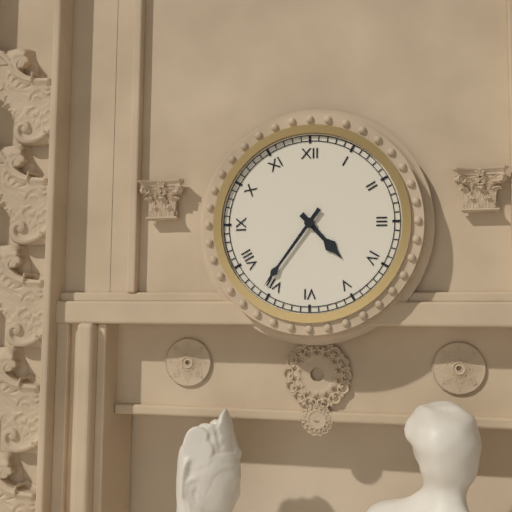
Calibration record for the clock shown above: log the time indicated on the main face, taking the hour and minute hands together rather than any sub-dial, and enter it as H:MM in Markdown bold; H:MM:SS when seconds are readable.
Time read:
**4:36**
